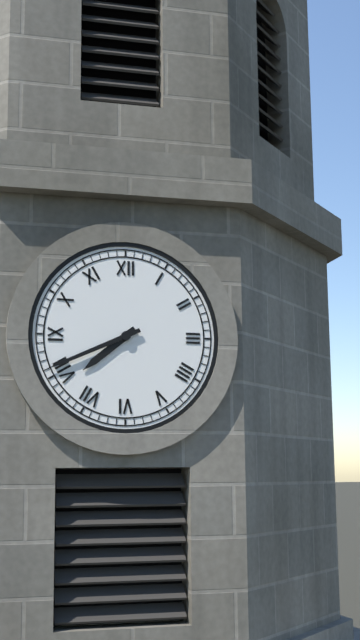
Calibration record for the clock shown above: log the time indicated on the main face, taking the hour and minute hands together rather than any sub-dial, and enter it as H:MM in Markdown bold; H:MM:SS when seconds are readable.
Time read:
**7:41**
